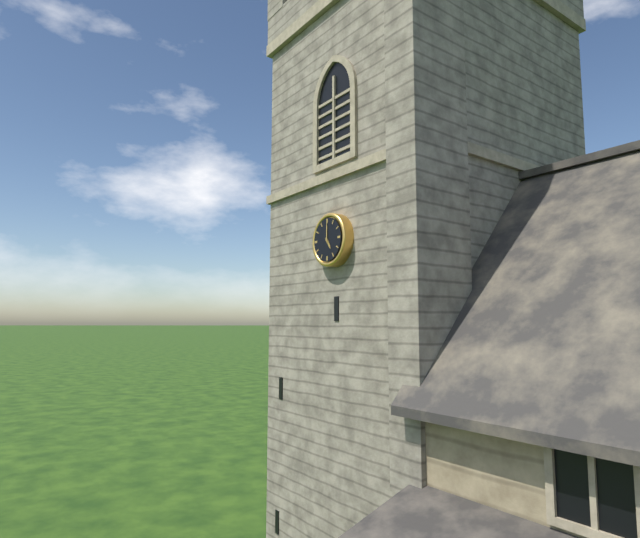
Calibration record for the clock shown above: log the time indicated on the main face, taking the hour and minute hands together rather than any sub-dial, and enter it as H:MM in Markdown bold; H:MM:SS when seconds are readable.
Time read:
**5:00**
